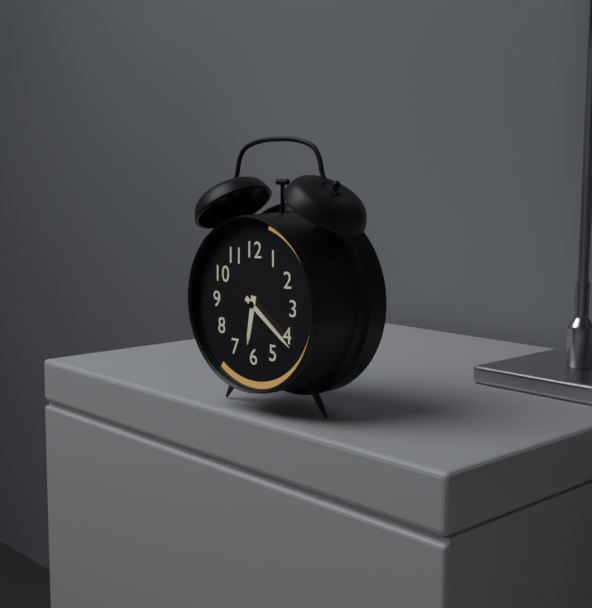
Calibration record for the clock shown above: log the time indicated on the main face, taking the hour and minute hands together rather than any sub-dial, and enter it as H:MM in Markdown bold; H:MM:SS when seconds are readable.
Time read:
**6:21**
